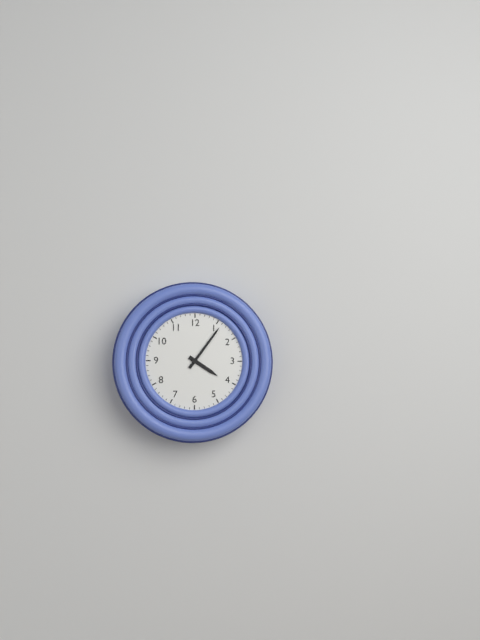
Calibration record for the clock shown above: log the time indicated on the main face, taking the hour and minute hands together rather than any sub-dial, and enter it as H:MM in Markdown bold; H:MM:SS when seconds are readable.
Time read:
**4:06**
